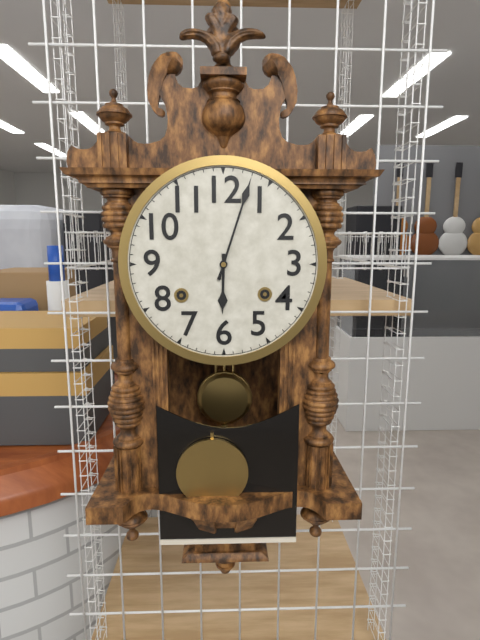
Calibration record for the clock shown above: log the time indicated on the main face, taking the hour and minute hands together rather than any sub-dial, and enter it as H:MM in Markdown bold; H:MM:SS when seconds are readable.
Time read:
**6:03**
